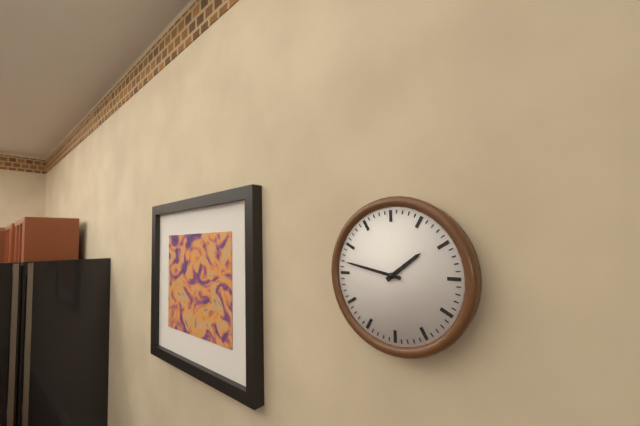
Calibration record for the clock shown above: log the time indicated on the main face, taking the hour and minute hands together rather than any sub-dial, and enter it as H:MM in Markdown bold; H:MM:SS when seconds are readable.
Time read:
**1:47**
